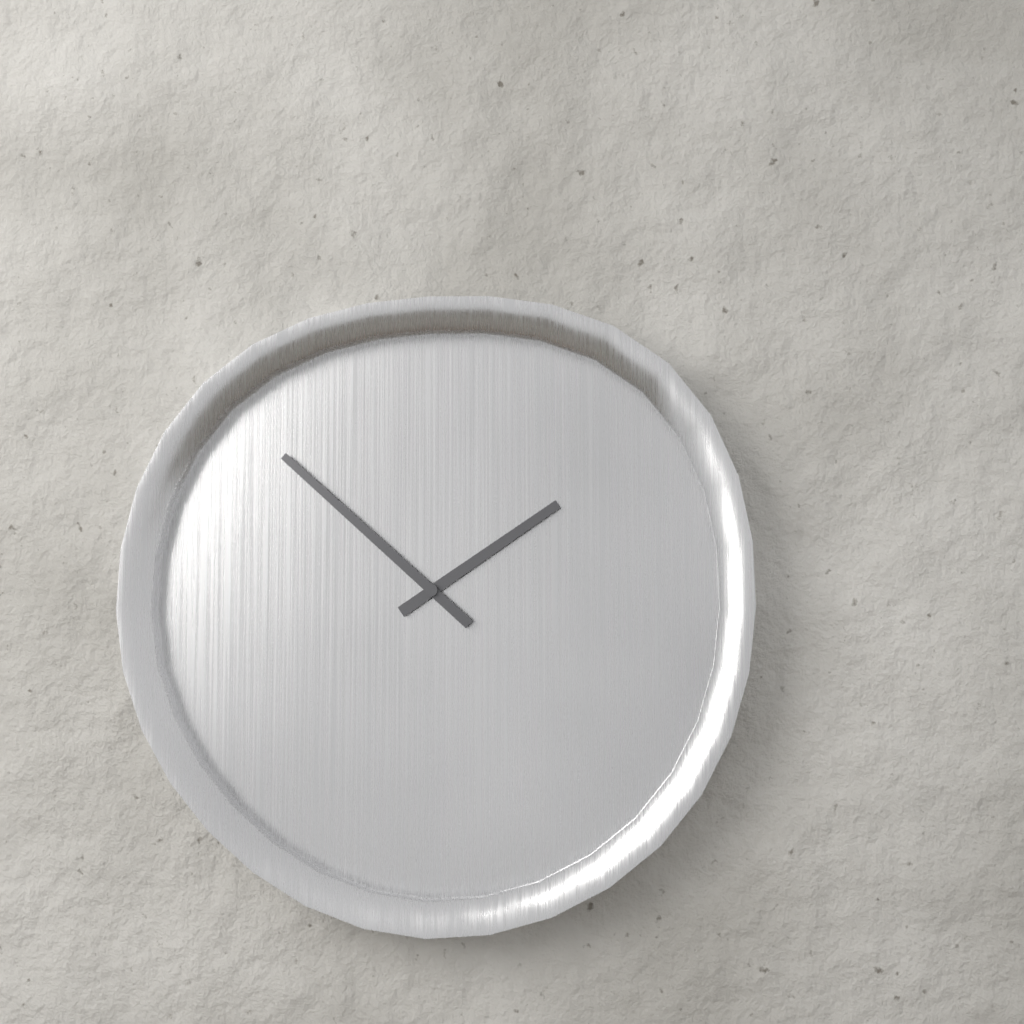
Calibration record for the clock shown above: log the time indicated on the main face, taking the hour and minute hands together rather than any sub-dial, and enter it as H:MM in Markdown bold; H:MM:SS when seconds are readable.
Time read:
**1:52**
